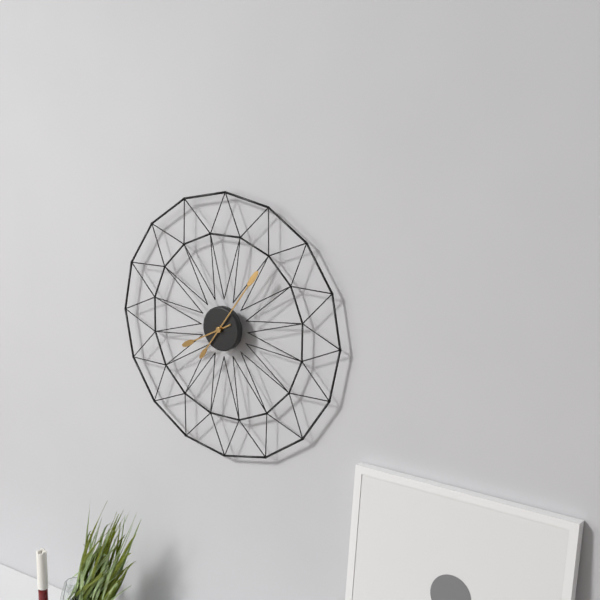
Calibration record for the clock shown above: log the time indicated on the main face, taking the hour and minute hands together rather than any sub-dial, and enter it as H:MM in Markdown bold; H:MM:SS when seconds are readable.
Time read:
**8:06**
